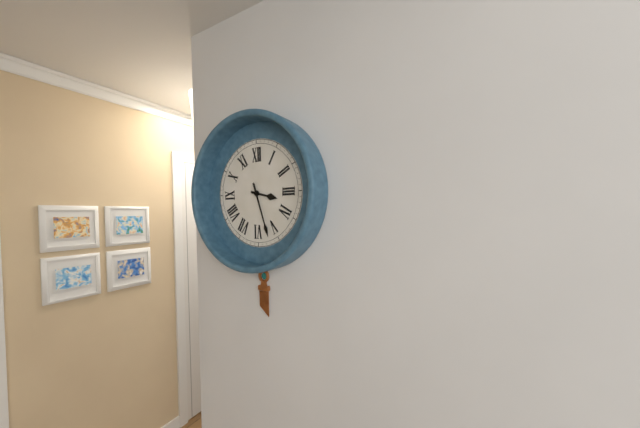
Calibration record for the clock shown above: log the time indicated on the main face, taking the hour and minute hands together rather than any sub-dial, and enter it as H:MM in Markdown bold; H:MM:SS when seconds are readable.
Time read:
**3:27**
